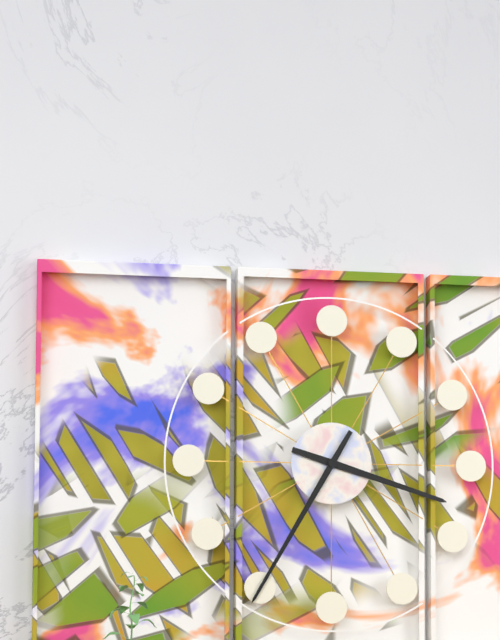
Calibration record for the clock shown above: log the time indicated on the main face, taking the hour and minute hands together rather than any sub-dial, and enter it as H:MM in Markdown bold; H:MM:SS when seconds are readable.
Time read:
**3:35**
